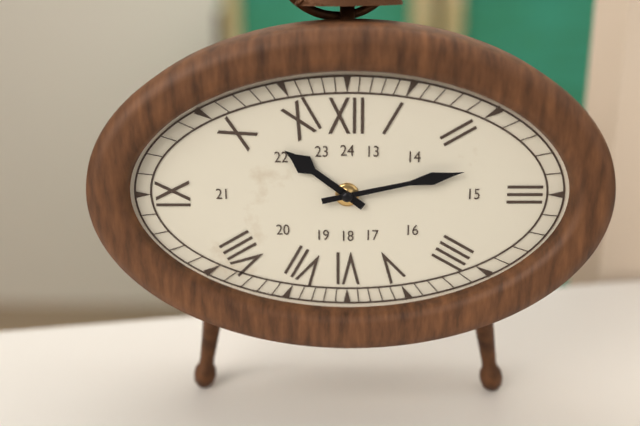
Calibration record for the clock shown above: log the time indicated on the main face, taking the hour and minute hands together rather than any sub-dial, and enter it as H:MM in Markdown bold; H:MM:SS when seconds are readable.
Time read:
**10:13**
